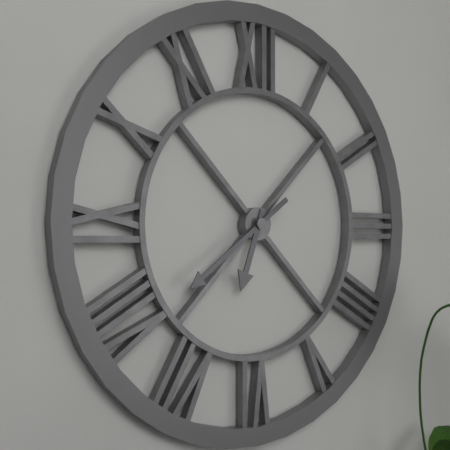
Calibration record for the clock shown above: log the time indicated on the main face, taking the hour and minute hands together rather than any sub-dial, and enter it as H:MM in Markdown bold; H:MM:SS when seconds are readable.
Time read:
**6:39**
